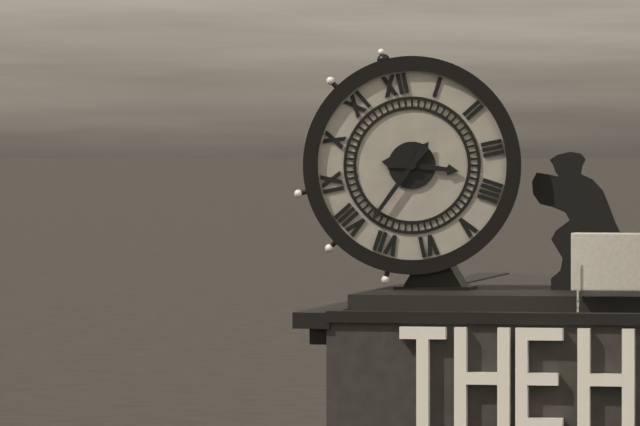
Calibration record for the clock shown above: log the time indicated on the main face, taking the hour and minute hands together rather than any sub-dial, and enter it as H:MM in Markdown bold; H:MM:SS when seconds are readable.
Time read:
**3:38**
